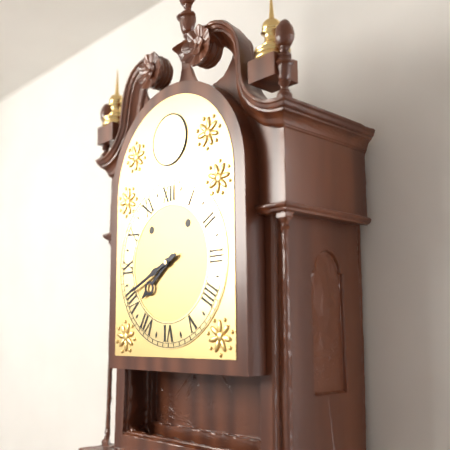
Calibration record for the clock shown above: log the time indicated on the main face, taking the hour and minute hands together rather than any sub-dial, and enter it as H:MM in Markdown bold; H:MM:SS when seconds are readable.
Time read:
**7:41**
